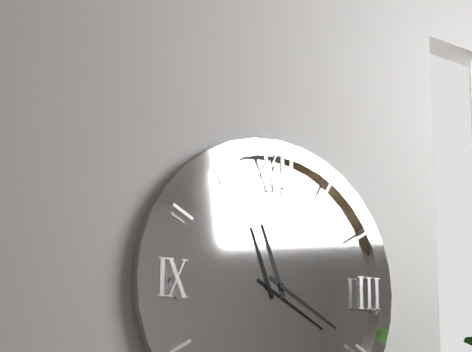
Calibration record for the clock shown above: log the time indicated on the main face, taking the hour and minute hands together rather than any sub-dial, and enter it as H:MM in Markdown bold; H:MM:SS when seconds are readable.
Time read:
**11:20**
